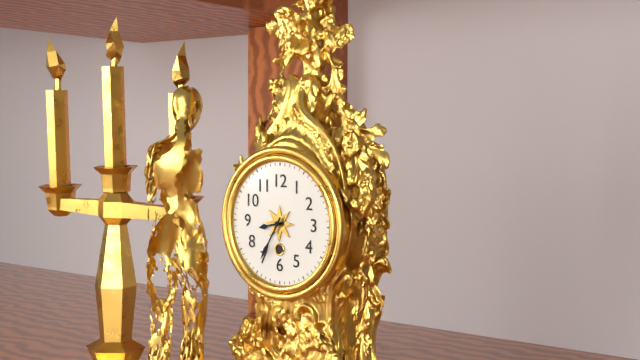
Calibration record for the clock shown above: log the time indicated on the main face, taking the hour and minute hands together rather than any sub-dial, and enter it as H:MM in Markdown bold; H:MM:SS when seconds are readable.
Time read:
**8:35**
